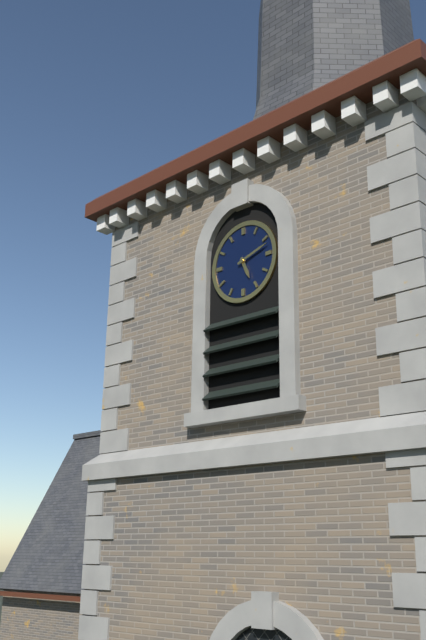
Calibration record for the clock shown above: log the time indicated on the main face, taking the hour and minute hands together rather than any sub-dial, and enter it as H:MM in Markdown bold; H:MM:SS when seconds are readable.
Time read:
**5:12**
